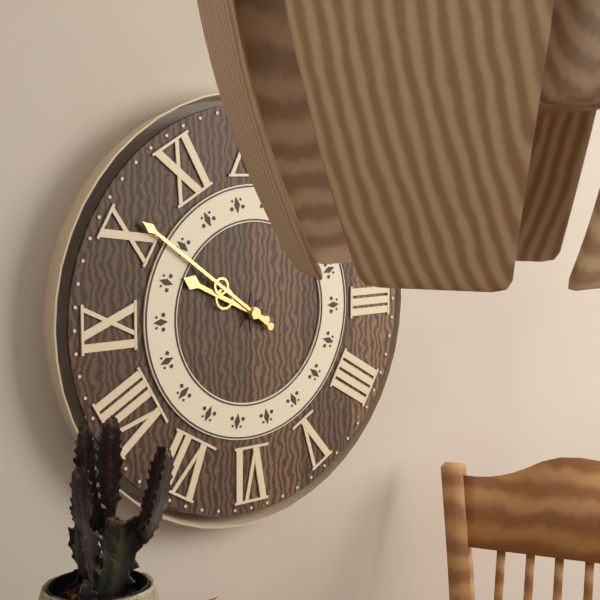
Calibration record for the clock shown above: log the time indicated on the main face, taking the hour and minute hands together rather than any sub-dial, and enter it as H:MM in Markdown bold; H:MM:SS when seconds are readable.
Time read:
**9:51**
